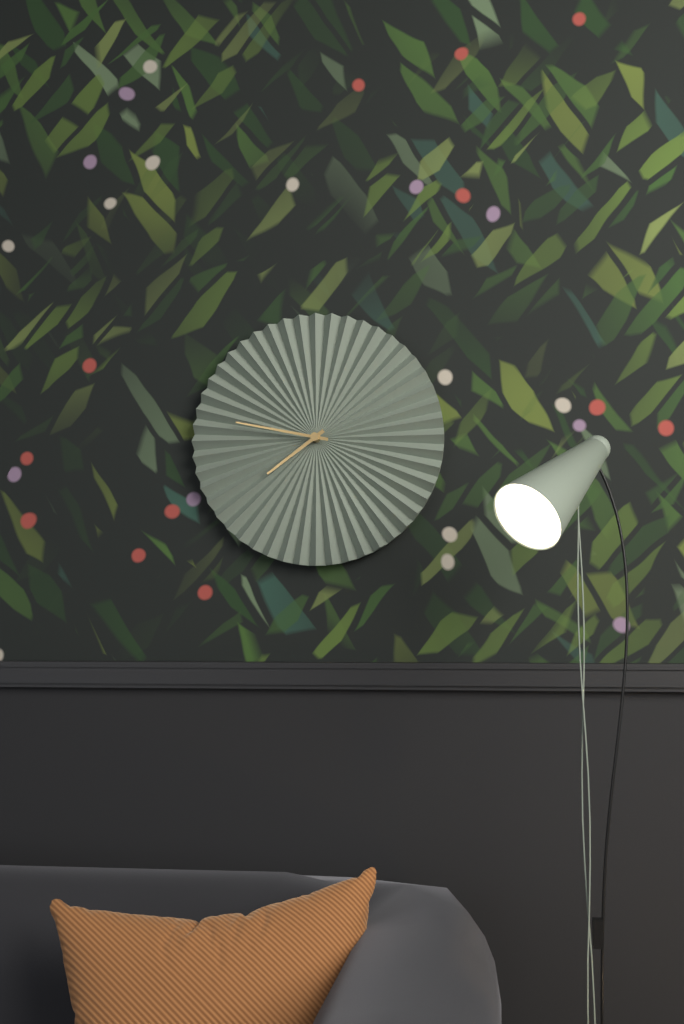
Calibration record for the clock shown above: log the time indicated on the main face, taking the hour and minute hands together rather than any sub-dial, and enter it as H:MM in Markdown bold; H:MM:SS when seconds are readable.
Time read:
**7:47**
